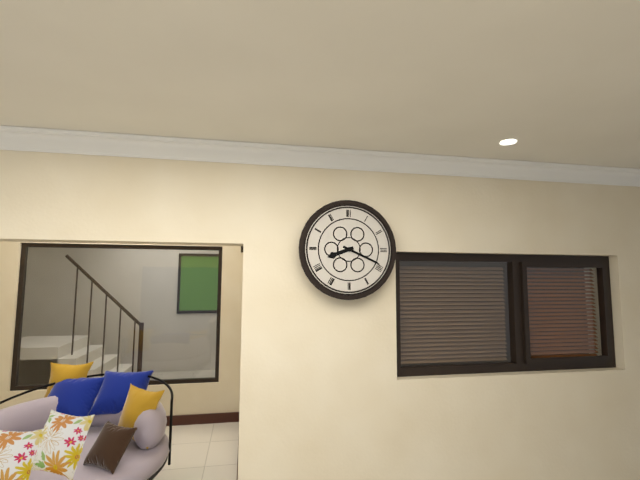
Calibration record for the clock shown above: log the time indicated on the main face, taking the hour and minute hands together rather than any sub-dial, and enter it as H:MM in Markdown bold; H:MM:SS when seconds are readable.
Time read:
**8:19**
